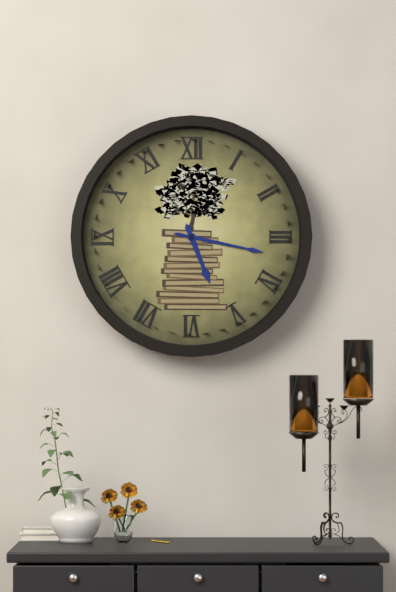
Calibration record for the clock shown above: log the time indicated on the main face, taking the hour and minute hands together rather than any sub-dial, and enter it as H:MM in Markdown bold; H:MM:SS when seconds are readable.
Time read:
**5:17**
